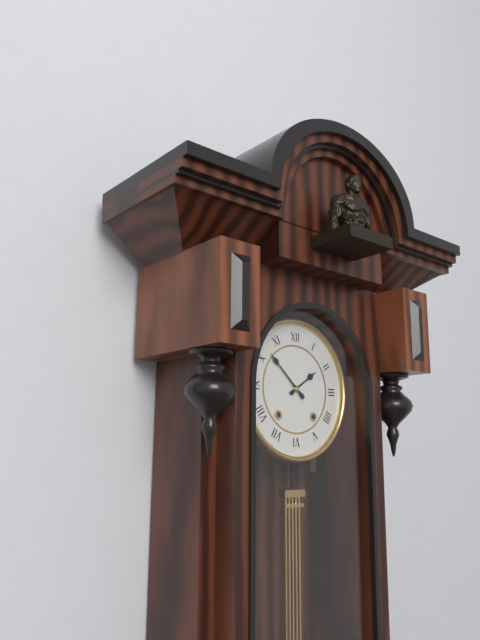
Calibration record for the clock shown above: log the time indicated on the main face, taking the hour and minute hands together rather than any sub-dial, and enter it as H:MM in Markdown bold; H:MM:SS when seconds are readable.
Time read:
**1:52**
